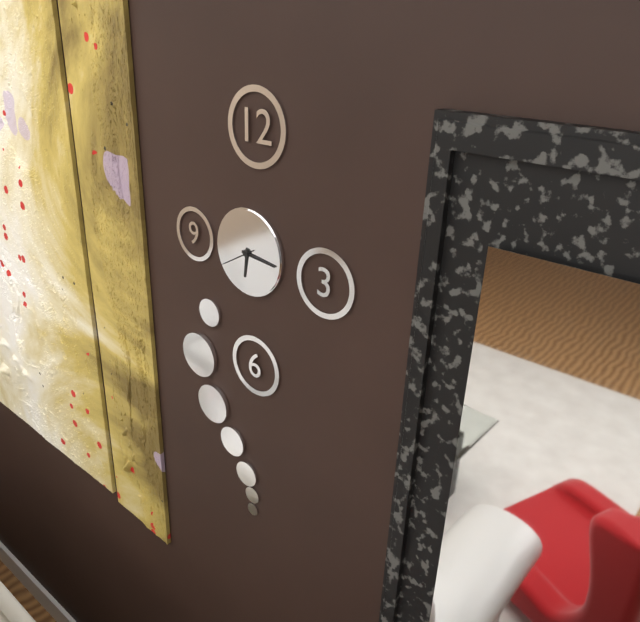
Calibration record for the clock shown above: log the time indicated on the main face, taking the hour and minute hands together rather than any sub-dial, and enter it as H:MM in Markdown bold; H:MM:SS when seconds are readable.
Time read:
**6:16**
